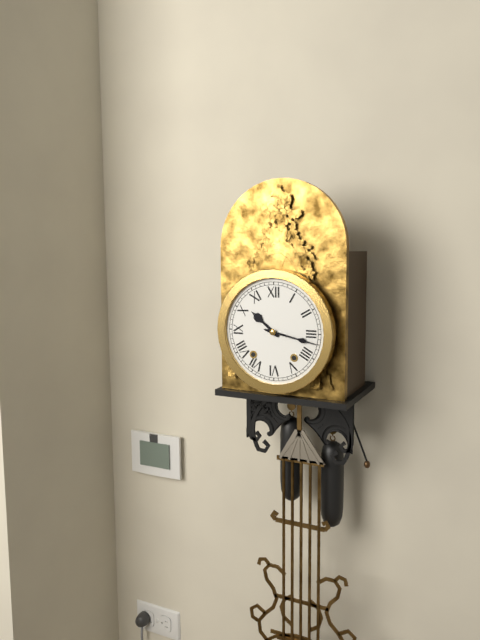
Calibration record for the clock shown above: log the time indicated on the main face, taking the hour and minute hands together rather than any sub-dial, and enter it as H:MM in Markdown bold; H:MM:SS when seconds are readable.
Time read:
**10:17**
